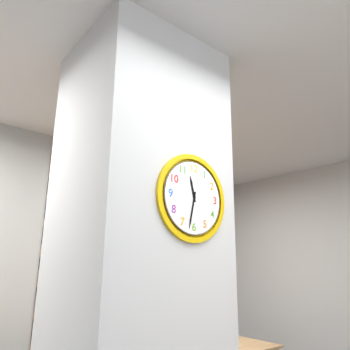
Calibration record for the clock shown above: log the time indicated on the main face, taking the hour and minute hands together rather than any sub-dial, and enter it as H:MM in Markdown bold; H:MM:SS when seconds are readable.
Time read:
**11:32**
